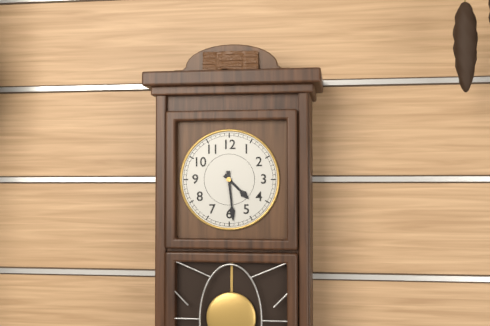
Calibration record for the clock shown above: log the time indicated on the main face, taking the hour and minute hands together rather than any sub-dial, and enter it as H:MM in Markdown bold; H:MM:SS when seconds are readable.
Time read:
**4:29**
